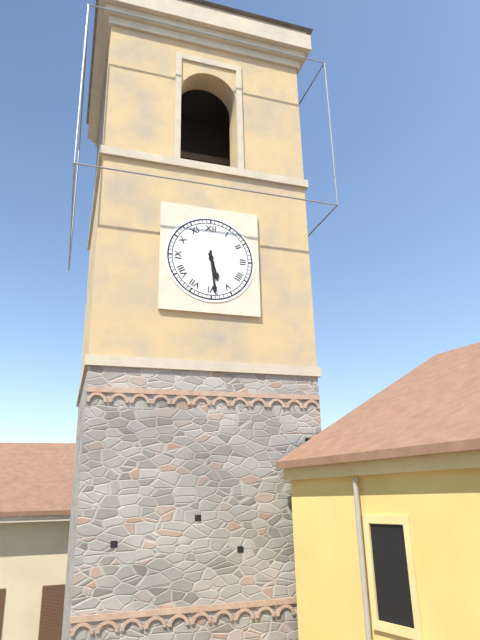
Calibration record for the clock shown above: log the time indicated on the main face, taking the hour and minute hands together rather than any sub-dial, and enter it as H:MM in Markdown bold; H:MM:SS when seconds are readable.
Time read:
**5:29**
